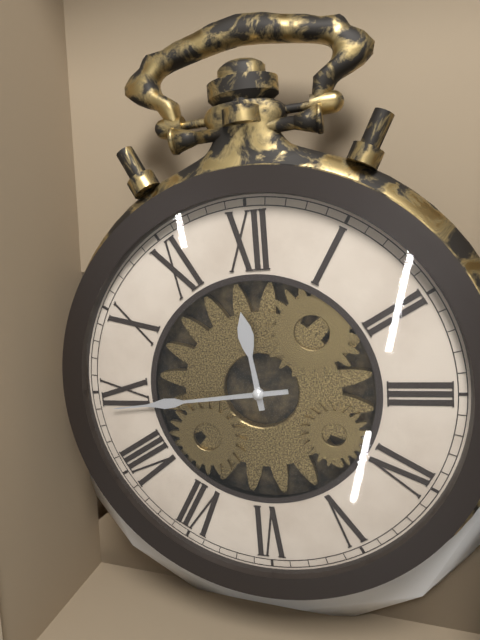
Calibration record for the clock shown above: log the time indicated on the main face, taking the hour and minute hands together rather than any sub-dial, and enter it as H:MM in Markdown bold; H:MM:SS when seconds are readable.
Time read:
**11:44**
